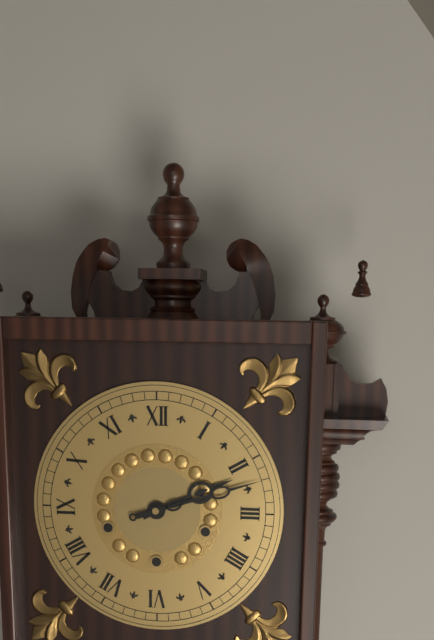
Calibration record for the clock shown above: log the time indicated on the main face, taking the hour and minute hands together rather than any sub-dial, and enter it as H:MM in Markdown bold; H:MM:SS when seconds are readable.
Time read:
**2:12**
